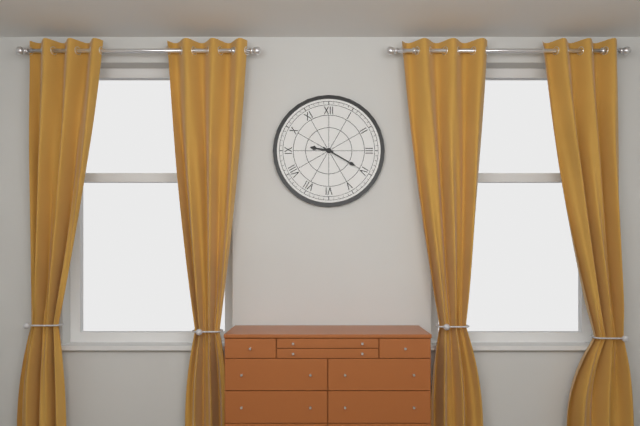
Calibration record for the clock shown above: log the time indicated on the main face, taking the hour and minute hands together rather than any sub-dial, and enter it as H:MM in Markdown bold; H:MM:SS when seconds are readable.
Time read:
**9:20**
